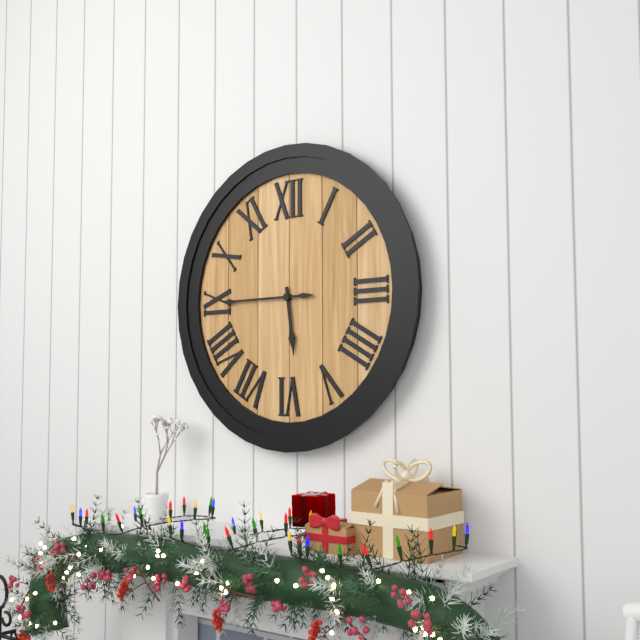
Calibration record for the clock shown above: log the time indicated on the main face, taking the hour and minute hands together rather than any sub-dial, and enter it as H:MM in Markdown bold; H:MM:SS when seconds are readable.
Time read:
**5:45**
